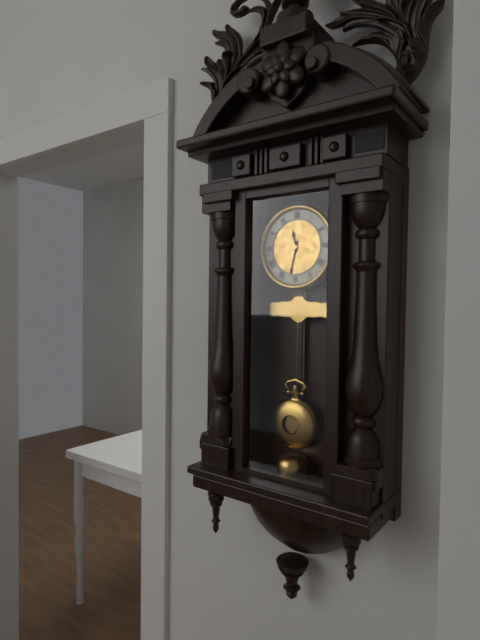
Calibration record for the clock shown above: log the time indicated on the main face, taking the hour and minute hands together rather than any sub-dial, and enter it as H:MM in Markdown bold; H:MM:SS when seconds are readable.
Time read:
**11:32**
